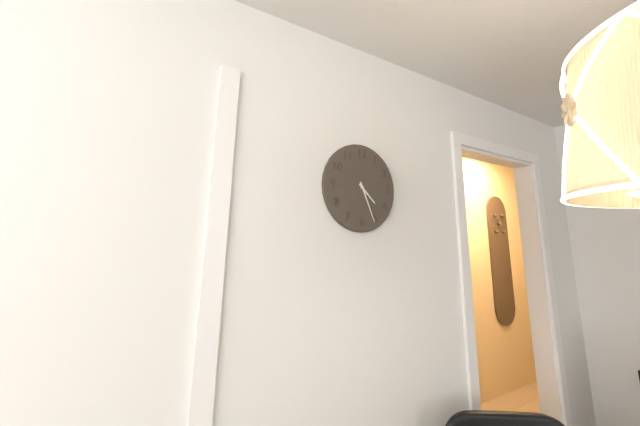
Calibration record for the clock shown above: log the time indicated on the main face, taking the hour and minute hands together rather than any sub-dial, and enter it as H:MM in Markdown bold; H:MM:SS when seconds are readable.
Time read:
**4:26**
